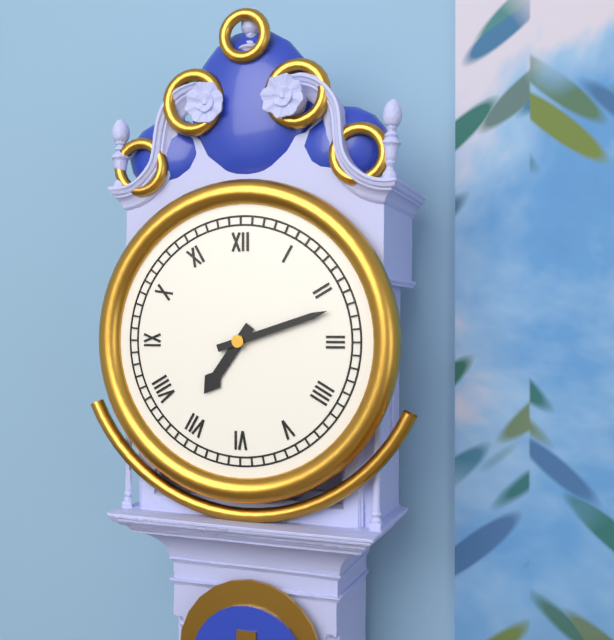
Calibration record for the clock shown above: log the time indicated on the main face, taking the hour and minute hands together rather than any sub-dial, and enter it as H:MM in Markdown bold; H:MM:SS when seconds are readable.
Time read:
**7:12**
